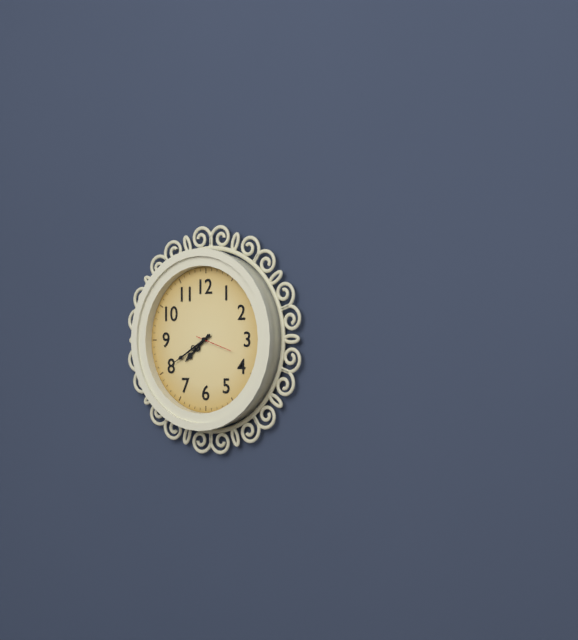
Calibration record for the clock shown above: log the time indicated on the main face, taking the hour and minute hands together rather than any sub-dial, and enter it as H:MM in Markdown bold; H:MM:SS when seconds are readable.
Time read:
**7:40**
